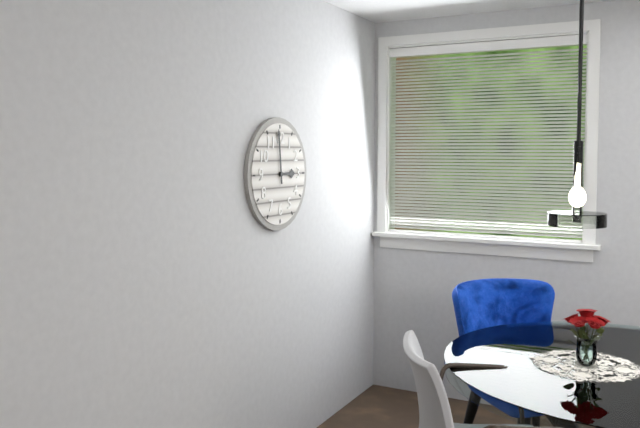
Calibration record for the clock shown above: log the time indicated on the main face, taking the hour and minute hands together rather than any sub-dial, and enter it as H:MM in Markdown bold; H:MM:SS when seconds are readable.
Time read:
**2:59**
